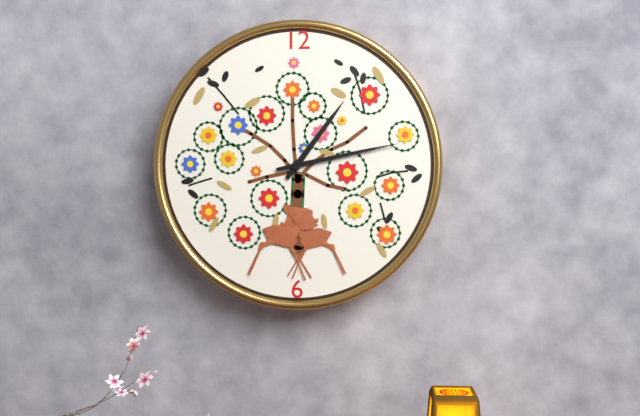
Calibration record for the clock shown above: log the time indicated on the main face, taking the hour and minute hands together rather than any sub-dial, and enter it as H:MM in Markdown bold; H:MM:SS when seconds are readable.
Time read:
**1:13**
